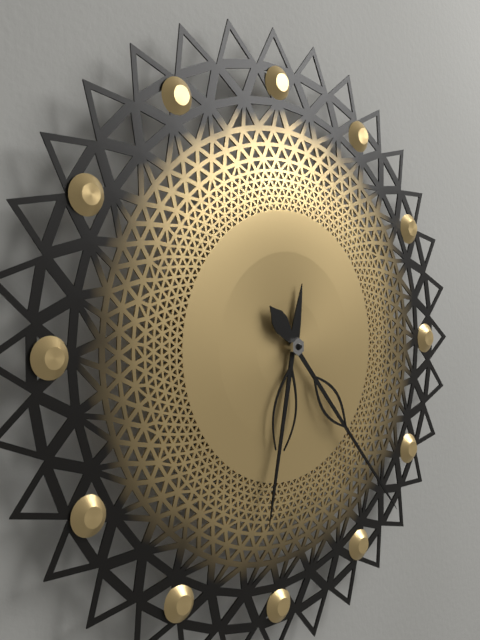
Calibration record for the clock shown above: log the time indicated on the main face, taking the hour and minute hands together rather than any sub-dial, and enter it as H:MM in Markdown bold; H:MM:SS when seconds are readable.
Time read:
**6:23**
